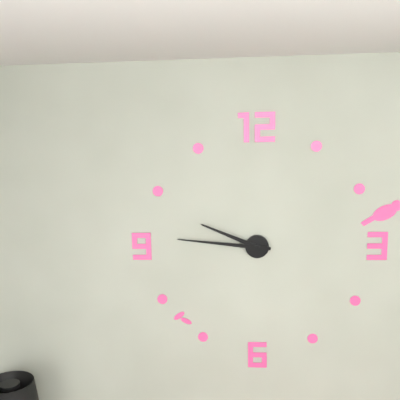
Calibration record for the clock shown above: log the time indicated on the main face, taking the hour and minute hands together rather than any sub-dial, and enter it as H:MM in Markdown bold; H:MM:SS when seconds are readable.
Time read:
**9:46**
